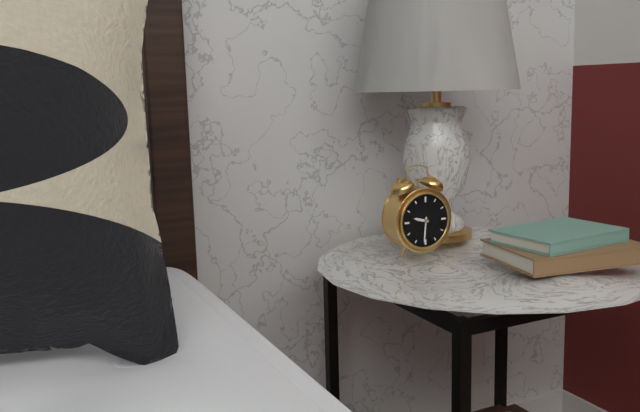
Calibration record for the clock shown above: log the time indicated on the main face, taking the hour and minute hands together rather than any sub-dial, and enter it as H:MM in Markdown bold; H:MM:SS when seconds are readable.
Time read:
**9:31**
